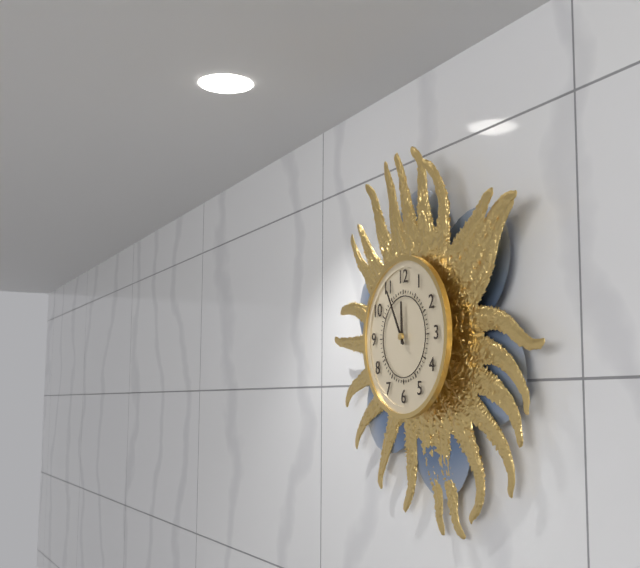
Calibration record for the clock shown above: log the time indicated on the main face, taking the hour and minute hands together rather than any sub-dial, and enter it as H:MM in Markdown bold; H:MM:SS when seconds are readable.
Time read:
**11:55**
